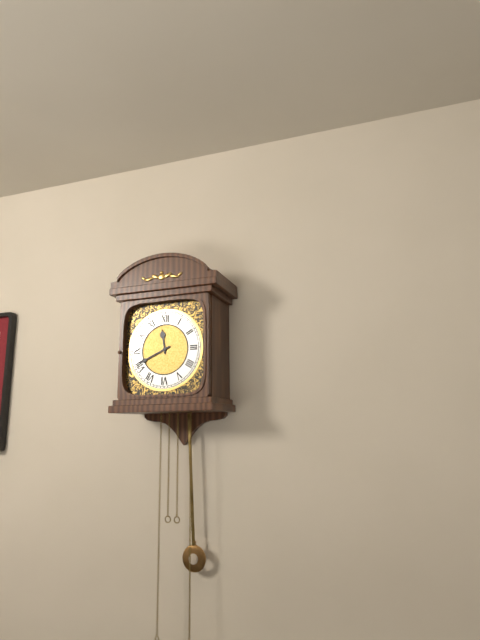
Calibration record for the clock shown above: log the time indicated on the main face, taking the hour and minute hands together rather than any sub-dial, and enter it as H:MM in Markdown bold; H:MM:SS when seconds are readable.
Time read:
**11:41**
